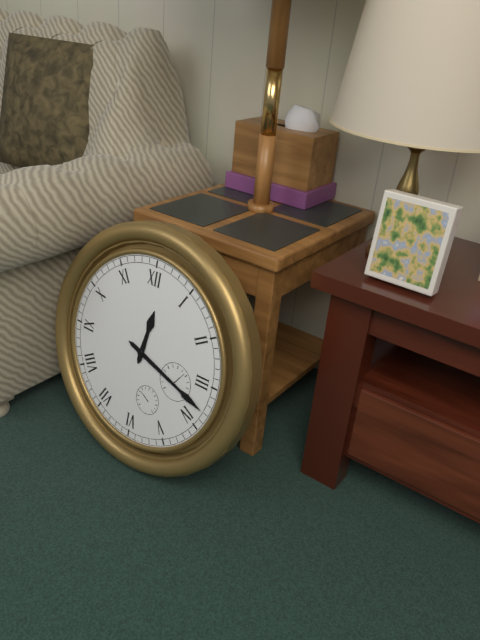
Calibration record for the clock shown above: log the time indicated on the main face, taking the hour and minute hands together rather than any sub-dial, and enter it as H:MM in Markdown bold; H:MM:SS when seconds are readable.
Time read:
**12:18**
